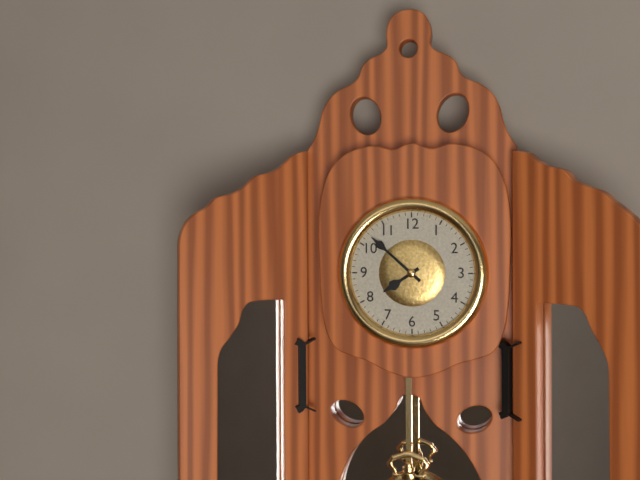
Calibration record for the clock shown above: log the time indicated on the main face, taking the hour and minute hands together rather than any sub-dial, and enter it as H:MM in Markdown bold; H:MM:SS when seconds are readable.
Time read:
**7:52**
